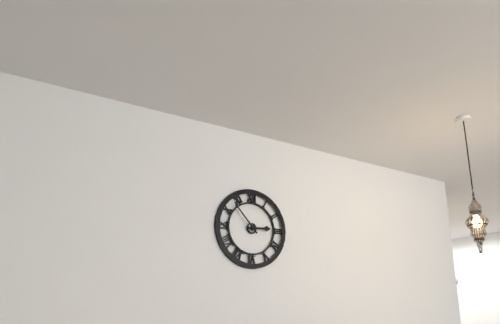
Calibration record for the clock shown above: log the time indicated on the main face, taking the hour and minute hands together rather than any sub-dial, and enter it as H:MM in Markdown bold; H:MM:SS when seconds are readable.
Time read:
**2:53**
